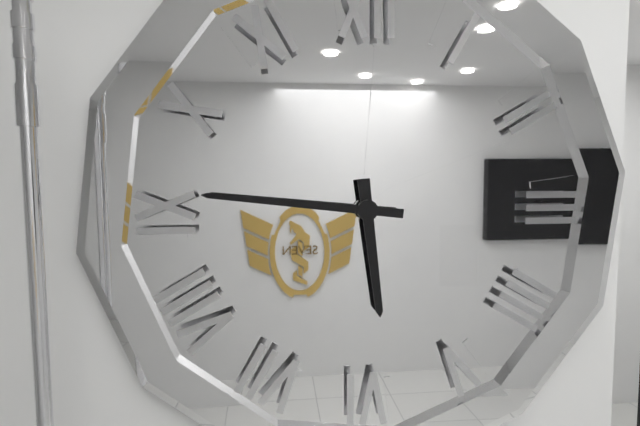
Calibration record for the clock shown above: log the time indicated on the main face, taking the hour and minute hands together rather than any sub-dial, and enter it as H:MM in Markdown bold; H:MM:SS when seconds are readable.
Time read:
**5:46**
